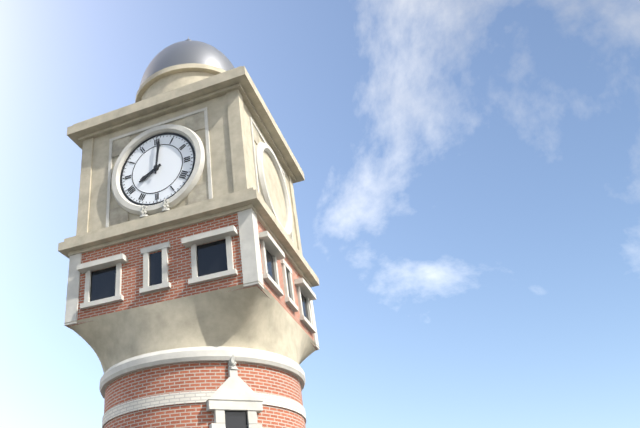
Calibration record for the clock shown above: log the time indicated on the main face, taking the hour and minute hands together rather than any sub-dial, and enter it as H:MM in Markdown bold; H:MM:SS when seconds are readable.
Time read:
**8:01**
